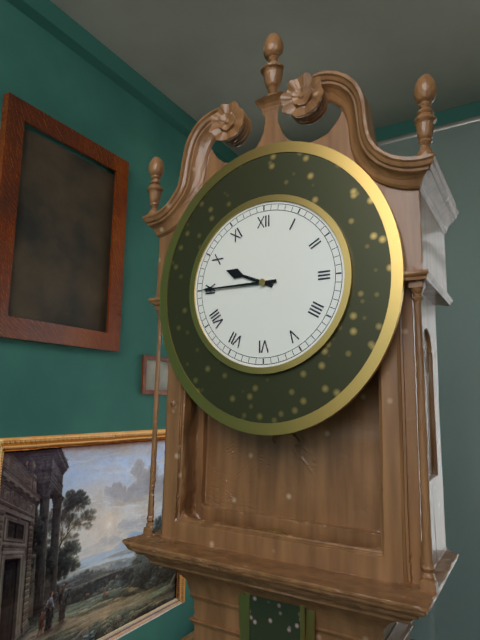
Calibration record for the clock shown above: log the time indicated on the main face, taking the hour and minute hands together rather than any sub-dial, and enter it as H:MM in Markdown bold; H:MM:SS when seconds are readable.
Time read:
**9:45**
